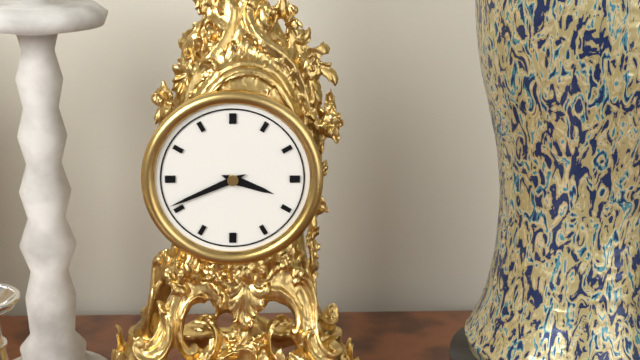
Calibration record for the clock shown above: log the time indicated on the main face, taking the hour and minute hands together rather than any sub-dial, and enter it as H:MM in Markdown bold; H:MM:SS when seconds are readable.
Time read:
**3:41**
